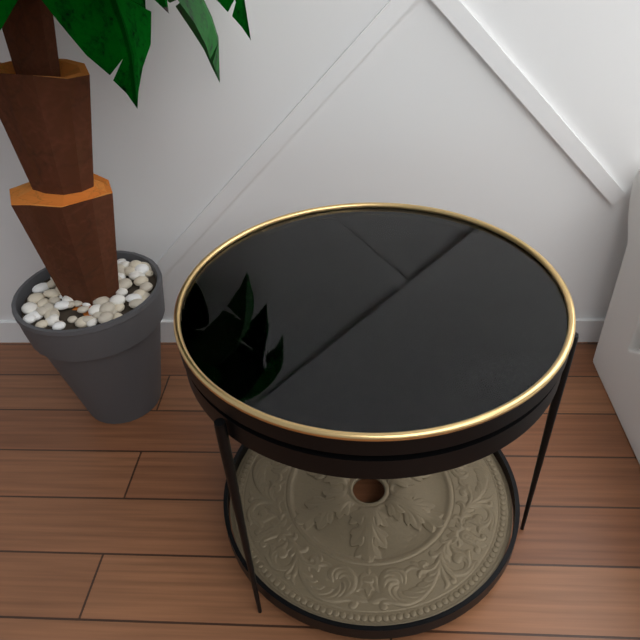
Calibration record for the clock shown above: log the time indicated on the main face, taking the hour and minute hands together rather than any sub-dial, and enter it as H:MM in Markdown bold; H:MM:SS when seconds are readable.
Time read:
**4:21**
